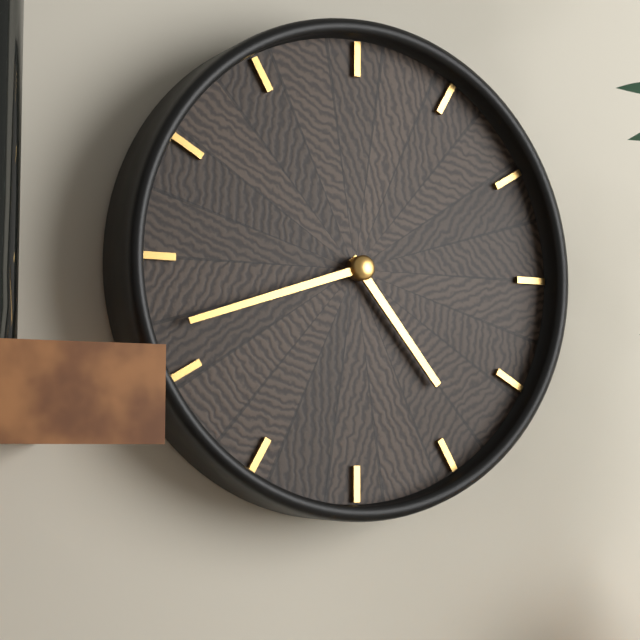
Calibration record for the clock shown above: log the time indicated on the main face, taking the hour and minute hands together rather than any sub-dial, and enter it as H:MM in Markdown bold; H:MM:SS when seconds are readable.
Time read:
**4:42**
